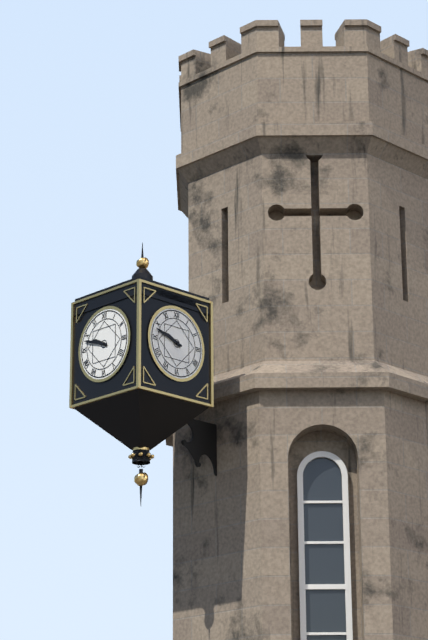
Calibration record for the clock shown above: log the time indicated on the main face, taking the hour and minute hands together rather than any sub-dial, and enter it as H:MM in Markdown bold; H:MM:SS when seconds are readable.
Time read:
**9:48**
